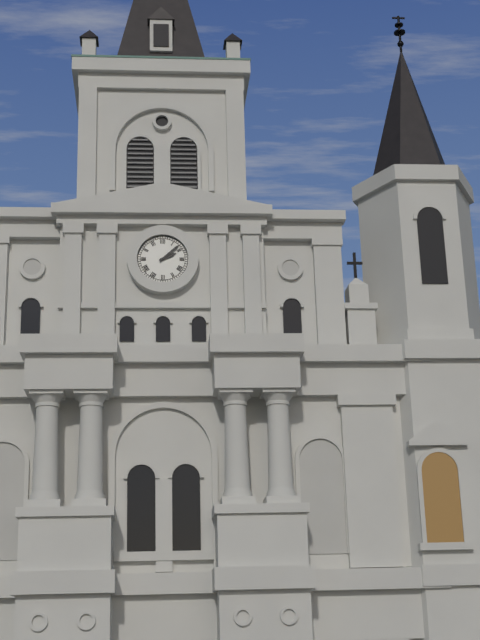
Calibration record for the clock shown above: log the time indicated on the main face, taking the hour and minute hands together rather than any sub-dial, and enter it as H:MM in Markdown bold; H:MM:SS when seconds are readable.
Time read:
**2:08**
